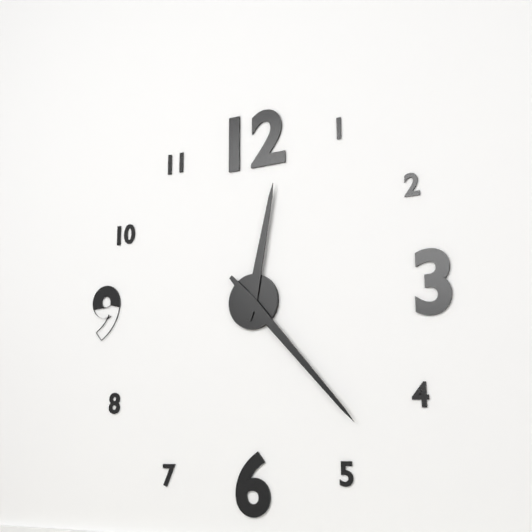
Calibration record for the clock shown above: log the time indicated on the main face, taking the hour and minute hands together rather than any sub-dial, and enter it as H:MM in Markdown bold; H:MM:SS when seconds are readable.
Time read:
**12:23**
